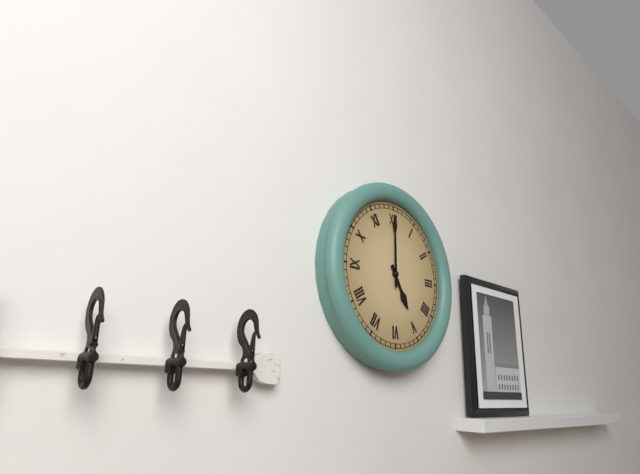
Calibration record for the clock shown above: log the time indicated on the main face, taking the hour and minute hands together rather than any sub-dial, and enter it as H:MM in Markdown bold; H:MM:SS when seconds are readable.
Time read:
**5:00**
